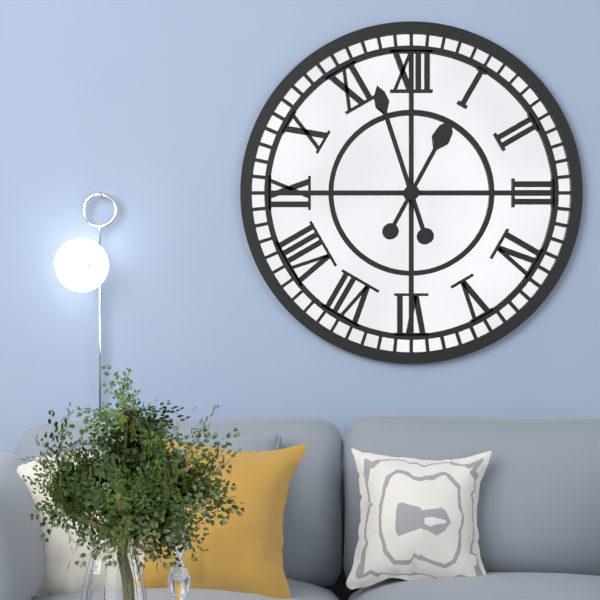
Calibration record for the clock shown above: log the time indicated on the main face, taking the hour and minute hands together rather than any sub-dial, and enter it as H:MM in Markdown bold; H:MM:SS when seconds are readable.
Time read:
**12:57**
